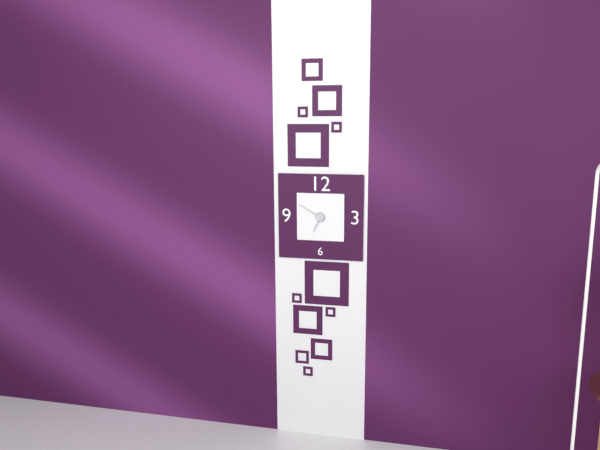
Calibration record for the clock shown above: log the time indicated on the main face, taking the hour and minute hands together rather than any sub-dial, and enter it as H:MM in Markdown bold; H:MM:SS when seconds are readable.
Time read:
**6:50**
